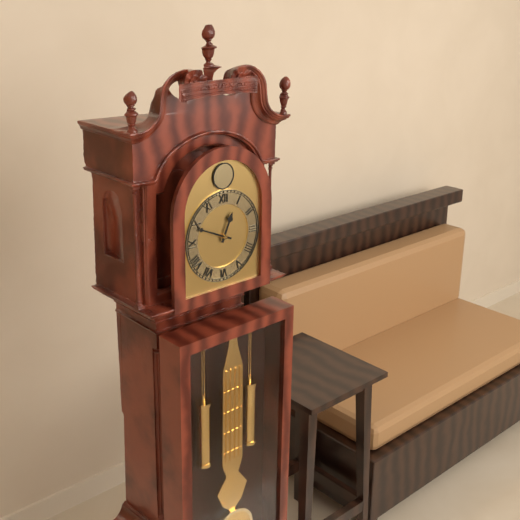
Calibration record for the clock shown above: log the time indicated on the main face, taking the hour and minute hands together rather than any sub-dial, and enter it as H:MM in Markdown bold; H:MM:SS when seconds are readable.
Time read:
**12:49**
